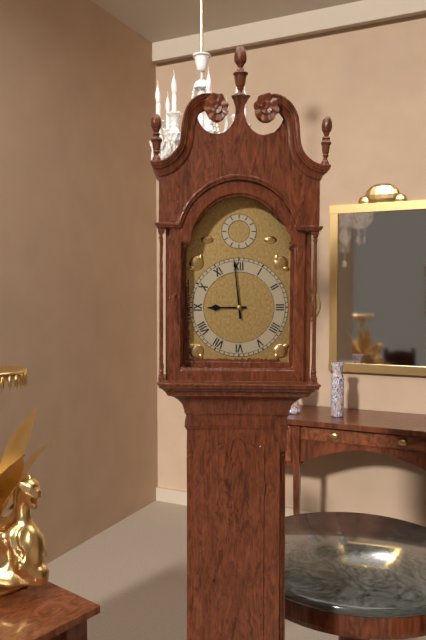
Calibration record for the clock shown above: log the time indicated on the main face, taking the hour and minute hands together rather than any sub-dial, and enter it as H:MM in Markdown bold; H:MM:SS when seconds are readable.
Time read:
**8:59**
